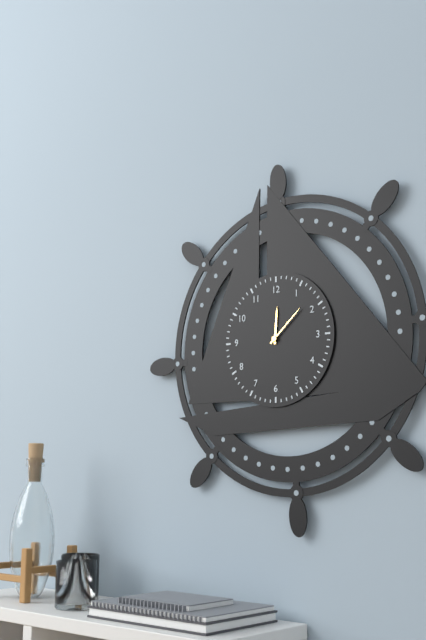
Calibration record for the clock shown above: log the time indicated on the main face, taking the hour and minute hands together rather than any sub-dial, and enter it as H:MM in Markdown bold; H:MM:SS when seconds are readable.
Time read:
**12:08**
